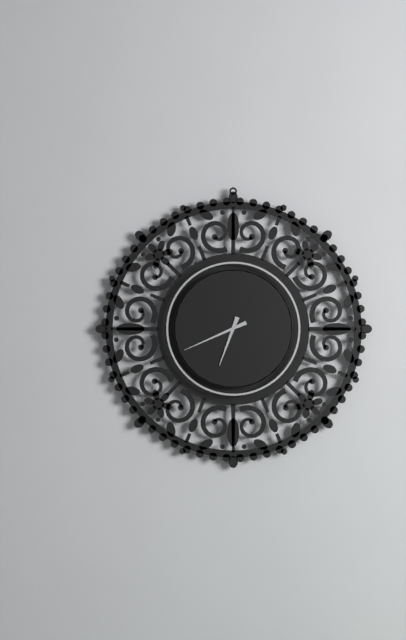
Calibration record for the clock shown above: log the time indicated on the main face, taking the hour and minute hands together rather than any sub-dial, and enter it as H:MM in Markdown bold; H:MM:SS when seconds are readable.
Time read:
**6:41**
